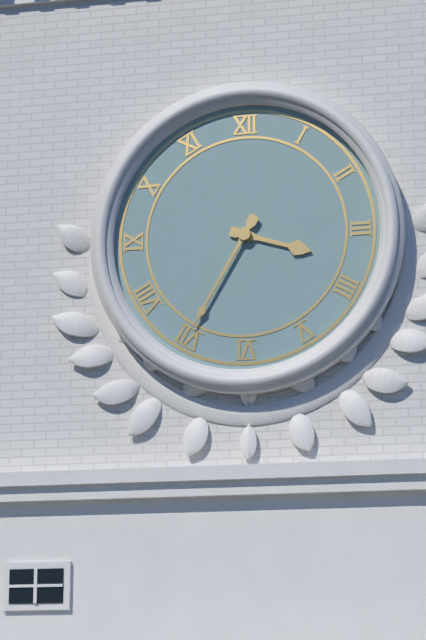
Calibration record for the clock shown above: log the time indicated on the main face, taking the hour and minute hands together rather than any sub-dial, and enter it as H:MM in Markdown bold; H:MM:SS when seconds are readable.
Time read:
**3:35**
